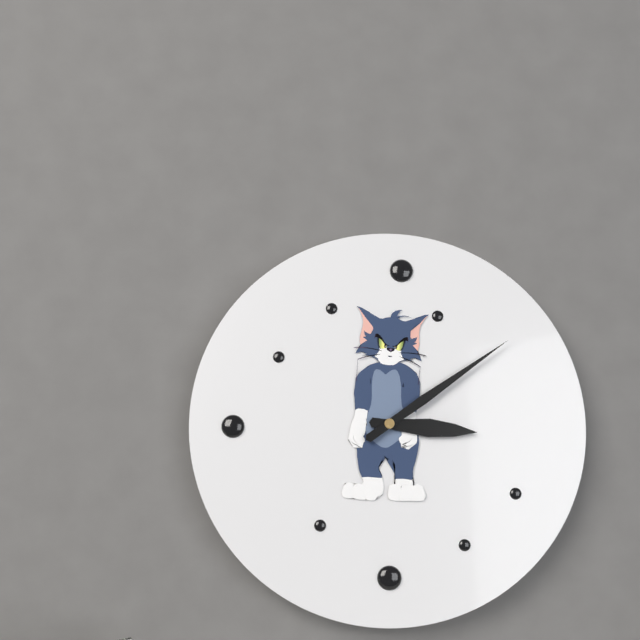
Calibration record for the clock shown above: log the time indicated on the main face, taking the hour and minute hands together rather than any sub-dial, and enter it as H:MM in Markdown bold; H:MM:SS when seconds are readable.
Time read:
**3:09**
